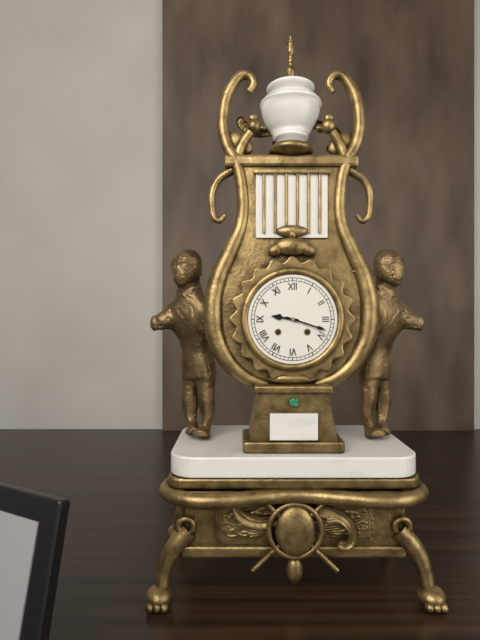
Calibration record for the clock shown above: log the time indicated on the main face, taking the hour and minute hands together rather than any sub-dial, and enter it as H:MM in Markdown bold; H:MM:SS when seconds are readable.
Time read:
**9:18**
